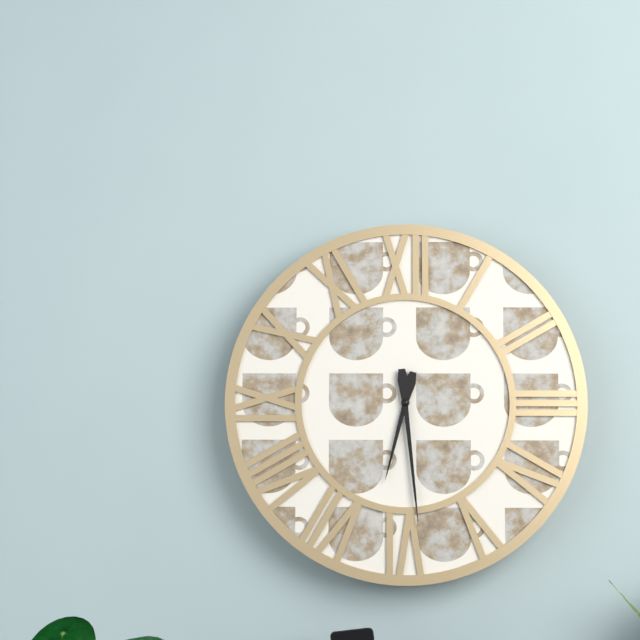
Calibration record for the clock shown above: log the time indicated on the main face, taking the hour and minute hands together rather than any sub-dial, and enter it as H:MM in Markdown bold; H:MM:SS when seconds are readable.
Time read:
**6:29**
